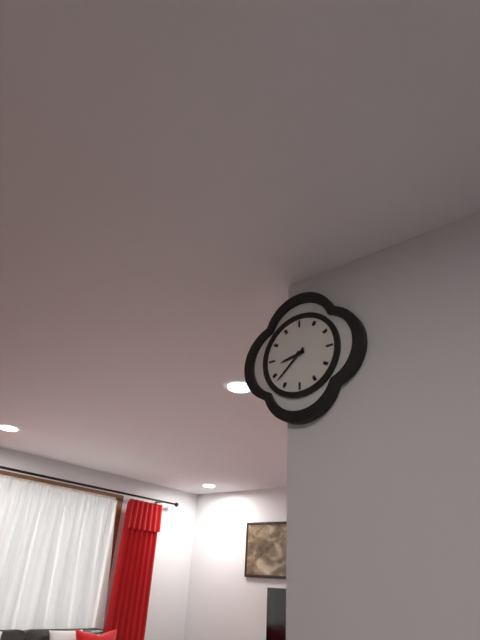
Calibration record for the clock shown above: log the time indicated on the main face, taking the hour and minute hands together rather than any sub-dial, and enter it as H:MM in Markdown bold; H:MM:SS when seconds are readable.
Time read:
**8:38**
